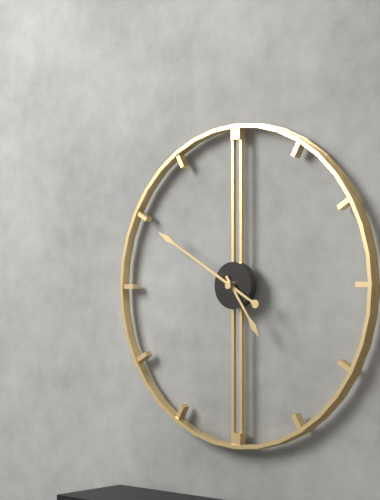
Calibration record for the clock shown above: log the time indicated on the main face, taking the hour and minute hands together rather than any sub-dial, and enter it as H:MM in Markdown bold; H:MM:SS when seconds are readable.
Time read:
**4:50**
